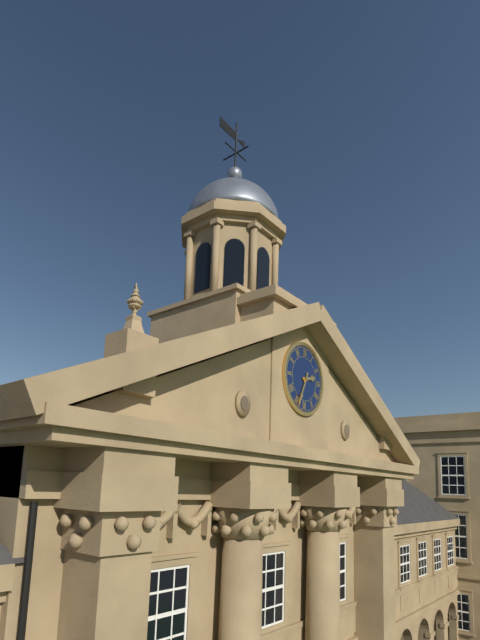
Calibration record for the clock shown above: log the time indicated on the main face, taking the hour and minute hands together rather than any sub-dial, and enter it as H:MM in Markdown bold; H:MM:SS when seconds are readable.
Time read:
**2:34**
